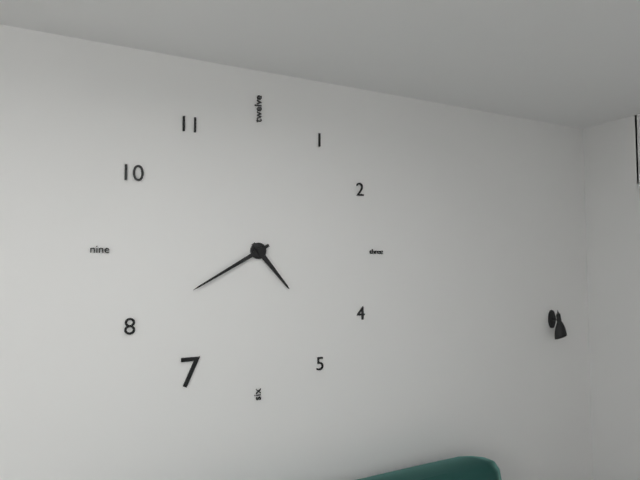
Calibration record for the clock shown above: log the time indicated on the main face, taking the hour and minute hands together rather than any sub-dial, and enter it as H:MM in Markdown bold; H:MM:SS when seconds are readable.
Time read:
**4:40**
